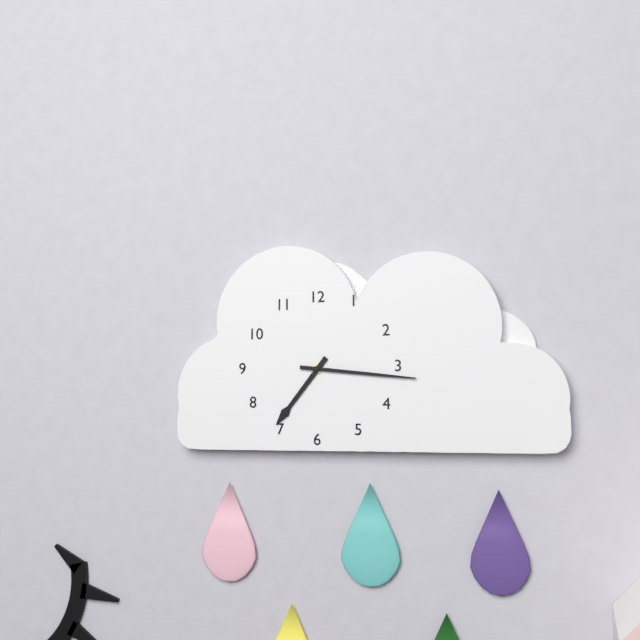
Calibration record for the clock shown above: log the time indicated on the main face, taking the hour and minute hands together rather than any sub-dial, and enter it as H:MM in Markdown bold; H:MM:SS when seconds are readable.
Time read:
**7:16**
